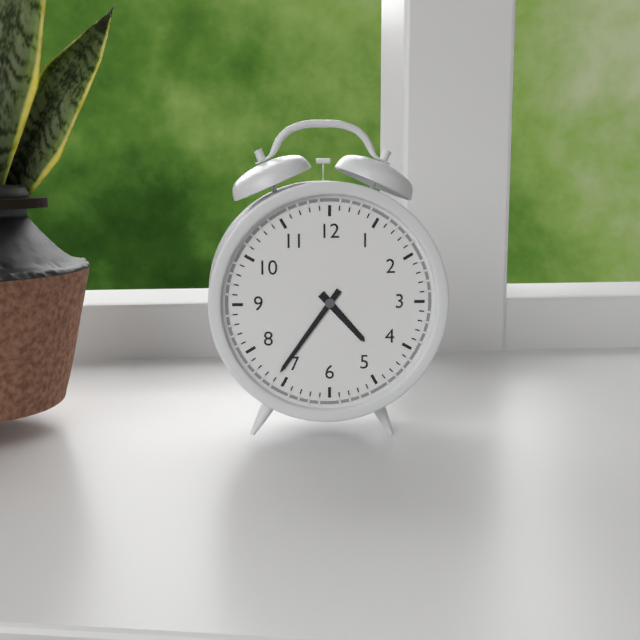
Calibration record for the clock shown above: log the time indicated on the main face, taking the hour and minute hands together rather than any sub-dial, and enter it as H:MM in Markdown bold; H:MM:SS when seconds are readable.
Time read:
**4:36**
